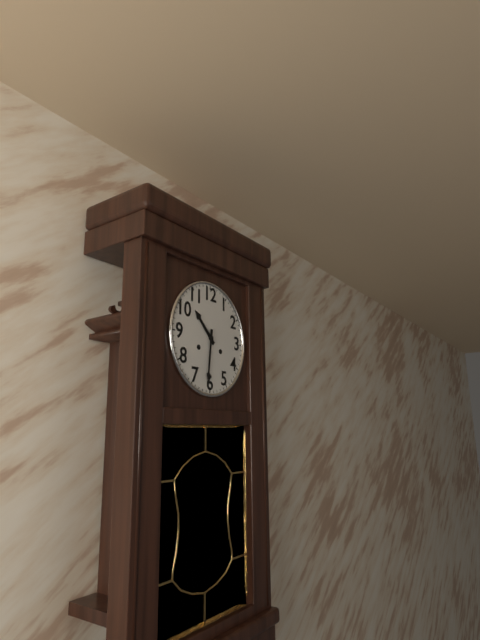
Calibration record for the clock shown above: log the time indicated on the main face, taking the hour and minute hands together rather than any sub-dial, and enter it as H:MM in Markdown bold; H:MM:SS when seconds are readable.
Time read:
**10:31**
